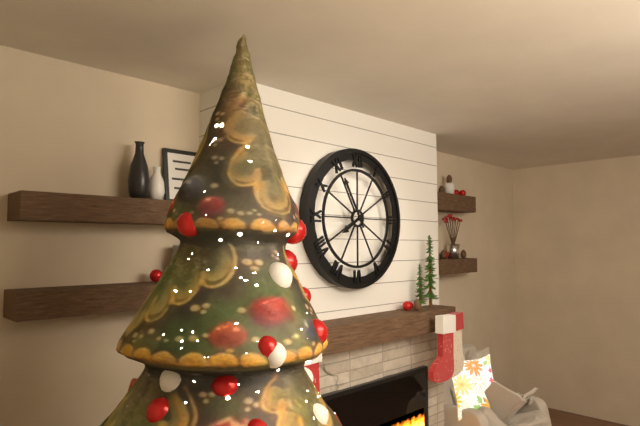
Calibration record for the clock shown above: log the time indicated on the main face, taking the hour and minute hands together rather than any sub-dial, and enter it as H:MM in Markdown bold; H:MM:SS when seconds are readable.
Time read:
**7:55**
